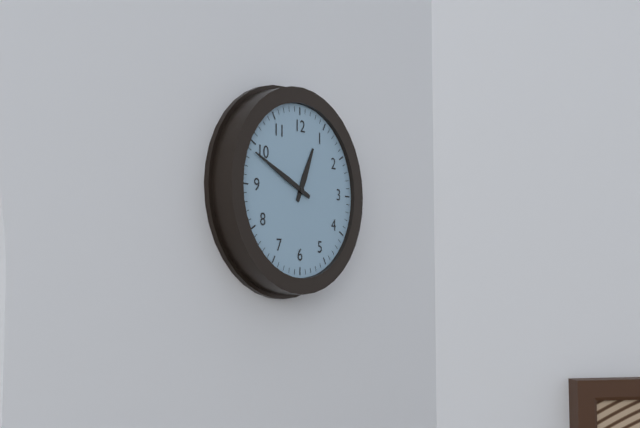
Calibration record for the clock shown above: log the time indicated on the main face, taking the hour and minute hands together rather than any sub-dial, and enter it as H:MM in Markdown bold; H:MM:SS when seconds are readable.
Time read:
**12:49**
